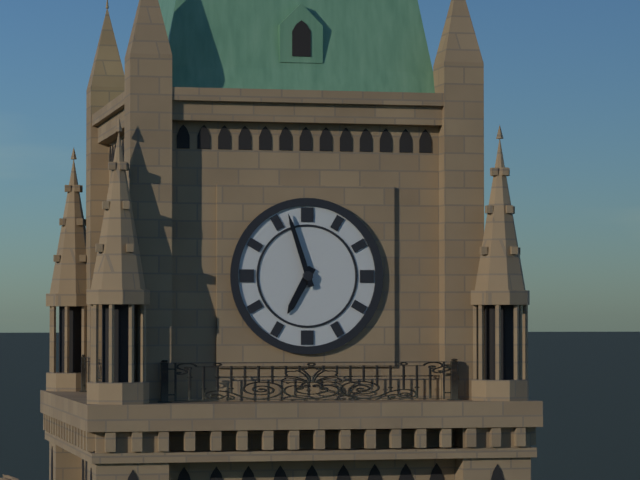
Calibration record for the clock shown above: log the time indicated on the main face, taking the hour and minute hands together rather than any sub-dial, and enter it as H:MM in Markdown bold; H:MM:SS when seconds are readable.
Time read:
**6:57**
